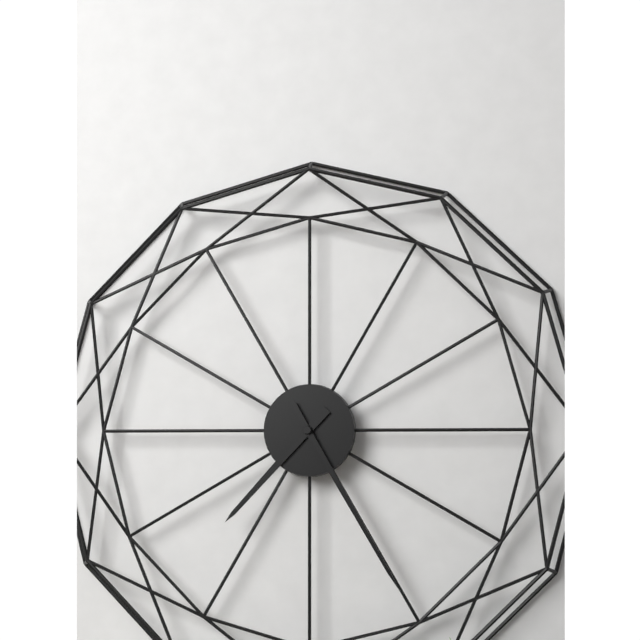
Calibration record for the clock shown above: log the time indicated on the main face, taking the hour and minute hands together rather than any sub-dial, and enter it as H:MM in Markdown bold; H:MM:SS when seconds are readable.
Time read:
**7:25**
